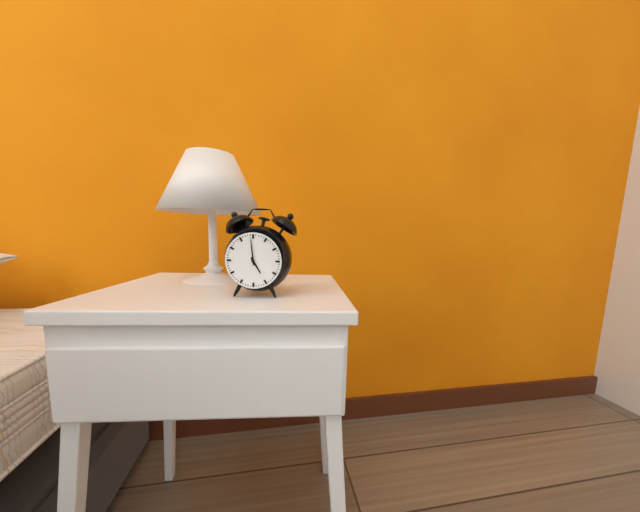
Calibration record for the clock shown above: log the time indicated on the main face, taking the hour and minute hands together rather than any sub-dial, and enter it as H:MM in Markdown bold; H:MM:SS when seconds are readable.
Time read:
**4:59**
